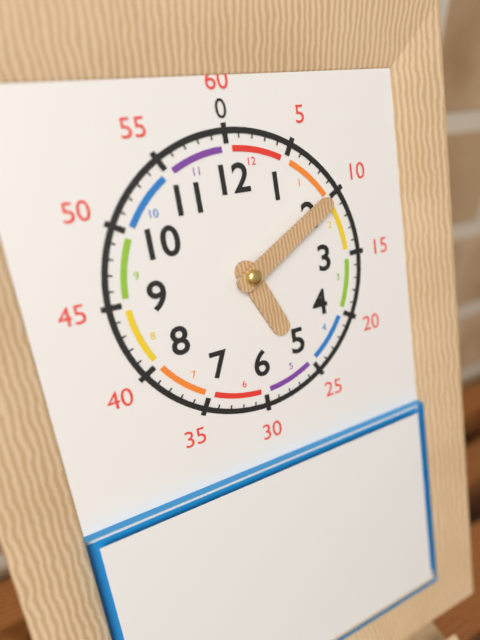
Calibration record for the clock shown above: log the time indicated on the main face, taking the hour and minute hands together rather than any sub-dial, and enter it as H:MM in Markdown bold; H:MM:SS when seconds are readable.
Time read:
**5:10**
